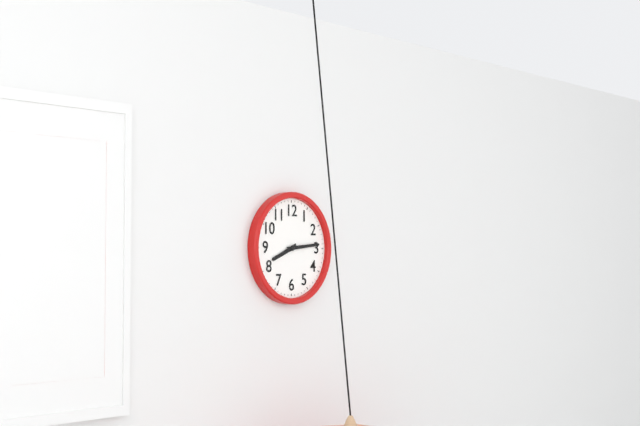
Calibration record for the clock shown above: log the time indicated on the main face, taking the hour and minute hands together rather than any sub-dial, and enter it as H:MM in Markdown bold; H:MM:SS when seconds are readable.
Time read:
**8:14**
